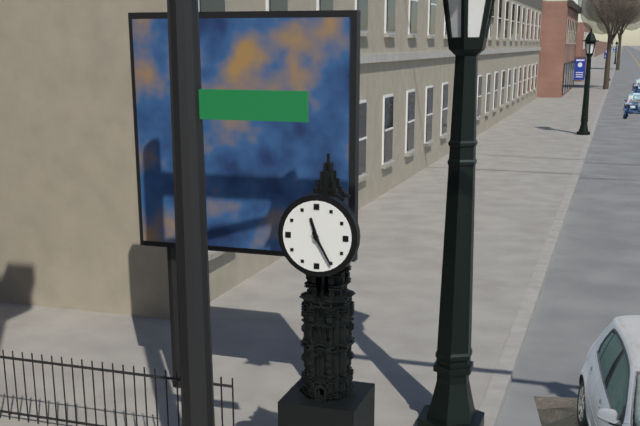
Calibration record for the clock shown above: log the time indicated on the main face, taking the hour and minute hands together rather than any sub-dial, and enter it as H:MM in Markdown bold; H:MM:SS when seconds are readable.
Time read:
**11:25**
